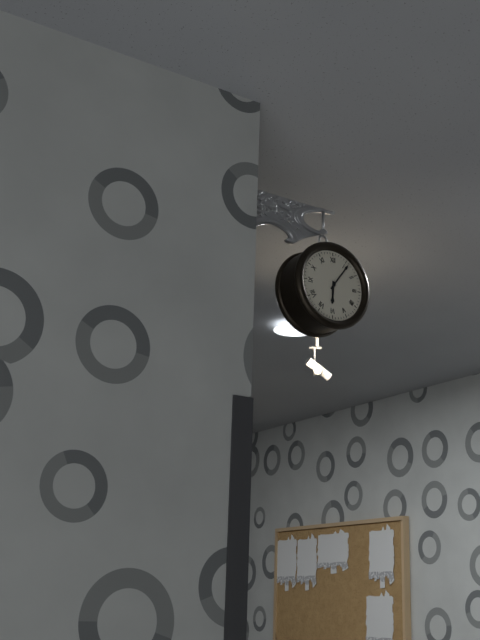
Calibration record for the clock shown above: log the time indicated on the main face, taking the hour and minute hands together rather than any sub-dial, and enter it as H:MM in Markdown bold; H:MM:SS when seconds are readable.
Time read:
**6:06**
